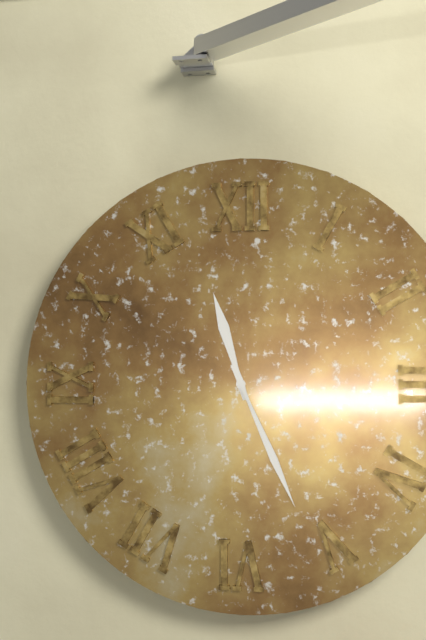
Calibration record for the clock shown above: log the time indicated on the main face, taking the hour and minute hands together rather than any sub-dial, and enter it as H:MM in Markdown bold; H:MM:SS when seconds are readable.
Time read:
**11:26**
